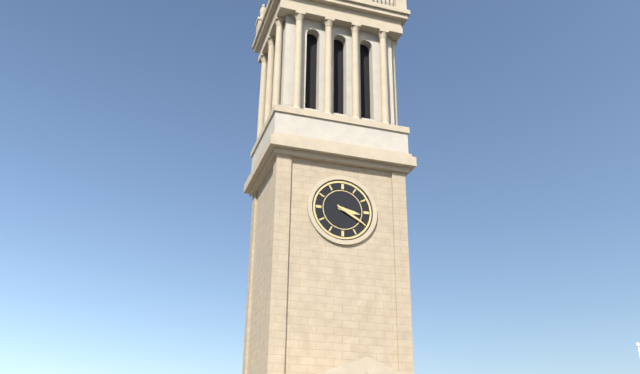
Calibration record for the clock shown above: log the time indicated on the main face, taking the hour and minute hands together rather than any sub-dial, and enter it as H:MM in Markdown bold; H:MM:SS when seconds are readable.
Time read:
**3:20**
